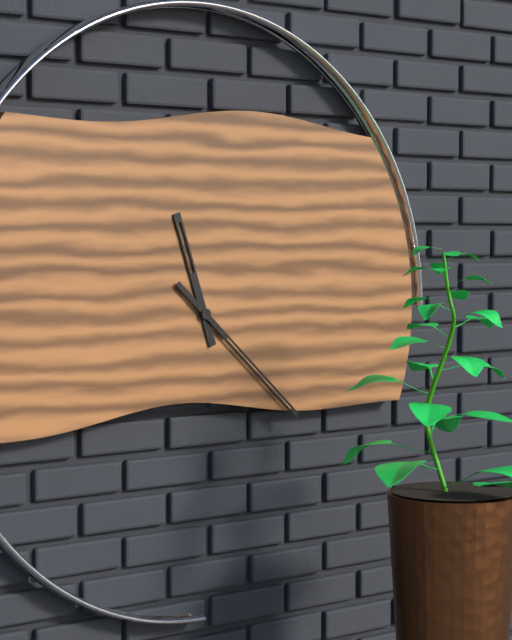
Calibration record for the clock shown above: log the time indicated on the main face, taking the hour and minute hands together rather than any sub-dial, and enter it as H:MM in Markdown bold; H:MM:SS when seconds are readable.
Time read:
**11:22**
